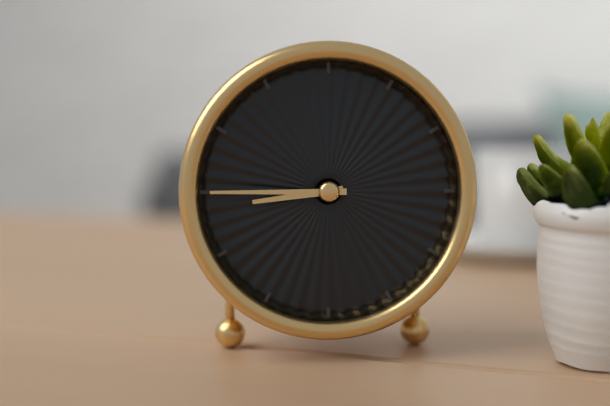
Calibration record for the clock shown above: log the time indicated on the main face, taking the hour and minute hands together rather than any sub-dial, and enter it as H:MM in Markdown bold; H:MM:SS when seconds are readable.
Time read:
**8:45**
